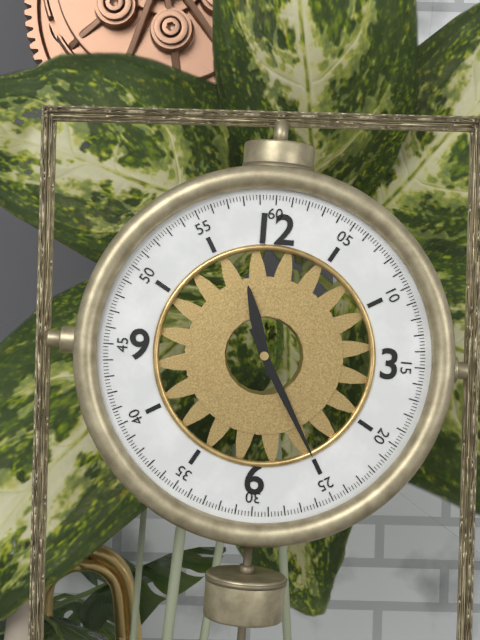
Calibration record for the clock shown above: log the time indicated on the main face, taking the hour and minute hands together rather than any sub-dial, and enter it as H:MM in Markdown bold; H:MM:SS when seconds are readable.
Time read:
**11:25**
